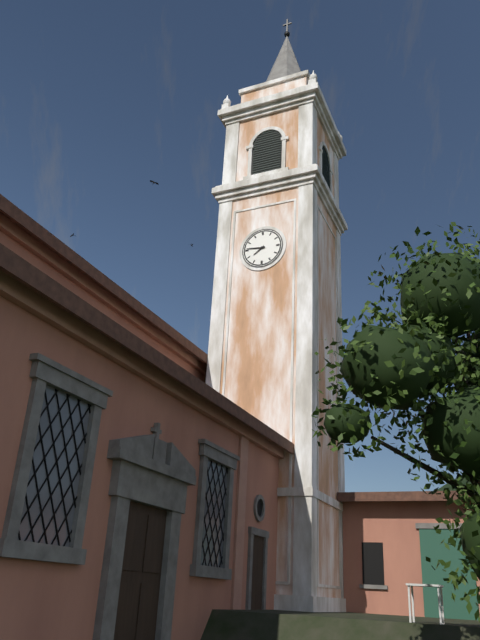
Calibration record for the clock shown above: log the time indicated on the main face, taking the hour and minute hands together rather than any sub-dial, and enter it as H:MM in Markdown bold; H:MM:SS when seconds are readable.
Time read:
**7:46**
